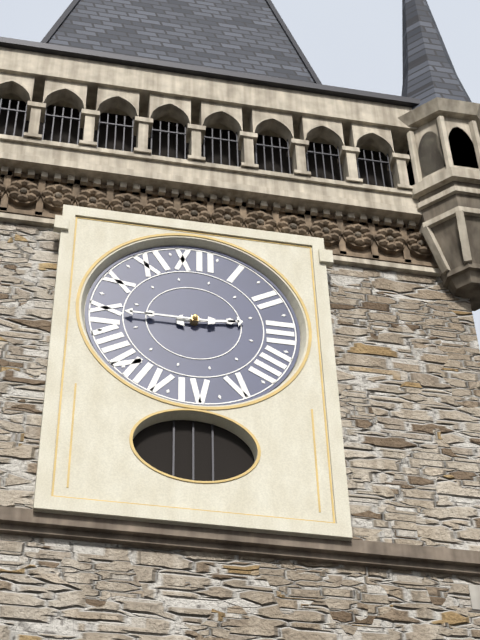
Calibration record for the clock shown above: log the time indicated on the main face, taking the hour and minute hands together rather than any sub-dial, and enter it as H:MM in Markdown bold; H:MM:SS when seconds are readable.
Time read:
**2:45**
